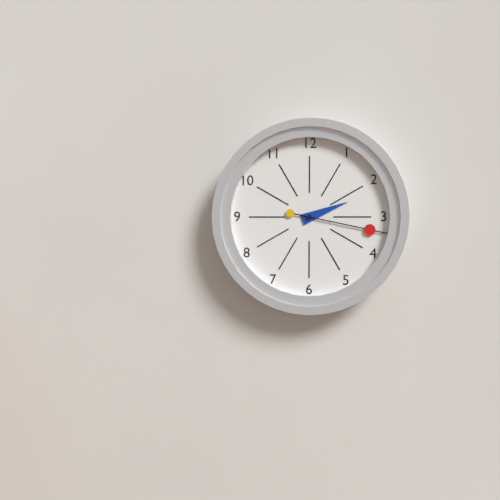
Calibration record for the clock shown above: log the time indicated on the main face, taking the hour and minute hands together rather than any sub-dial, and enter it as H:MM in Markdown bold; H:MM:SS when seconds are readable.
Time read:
**2:17**
